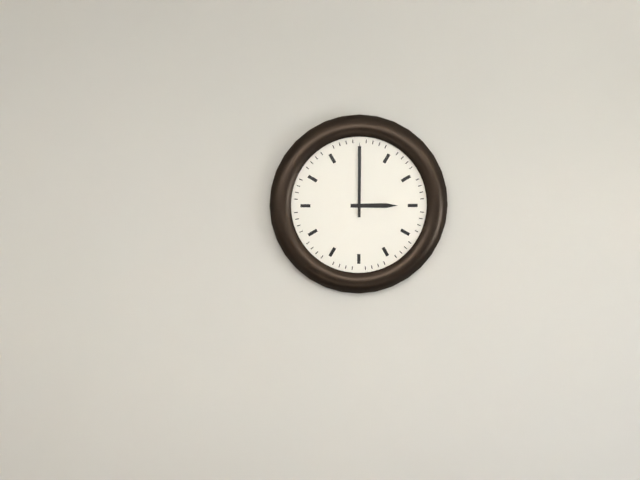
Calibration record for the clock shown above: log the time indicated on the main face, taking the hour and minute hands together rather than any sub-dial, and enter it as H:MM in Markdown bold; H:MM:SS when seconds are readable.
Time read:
**3:00**
